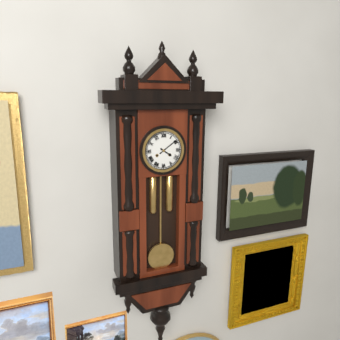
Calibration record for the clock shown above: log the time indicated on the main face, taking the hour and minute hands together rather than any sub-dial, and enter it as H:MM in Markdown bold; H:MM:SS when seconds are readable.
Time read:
**4:09**
